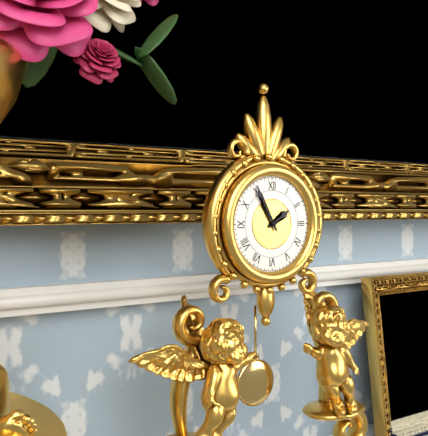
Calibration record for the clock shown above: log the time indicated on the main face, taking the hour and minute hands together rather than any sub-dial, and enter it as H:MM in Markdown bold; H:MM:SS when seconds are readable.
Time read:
**1:55**
